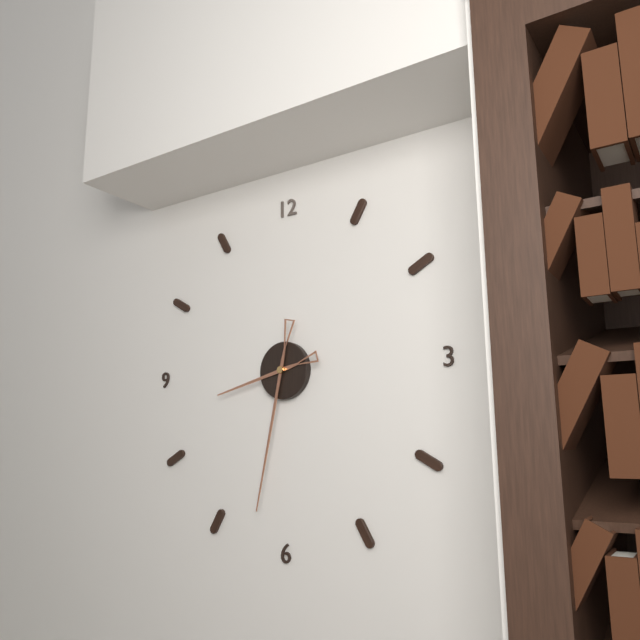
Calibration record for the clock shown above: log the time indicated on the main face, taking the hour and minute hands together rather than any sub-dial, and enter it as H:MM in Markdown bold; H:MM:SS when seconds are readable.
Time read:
**8:32**
